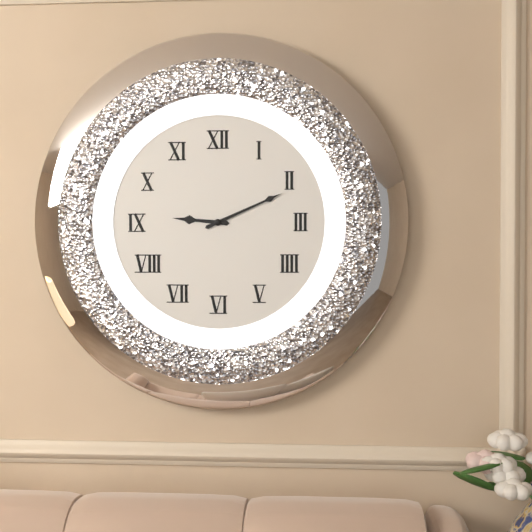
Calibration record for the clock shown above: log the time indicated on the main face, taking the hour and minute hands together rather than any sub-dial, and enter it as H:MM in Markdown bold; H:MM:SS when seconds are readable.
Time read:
**9:11**
